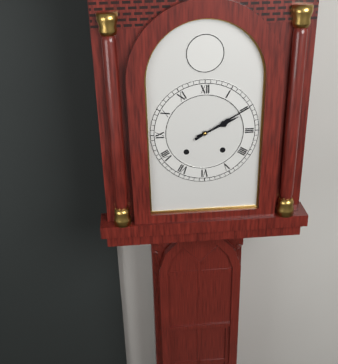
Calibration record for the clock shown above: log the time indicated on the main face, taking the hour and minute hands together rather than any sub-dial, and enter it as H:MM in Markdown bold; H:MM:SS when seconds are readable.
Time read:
**2:10**
